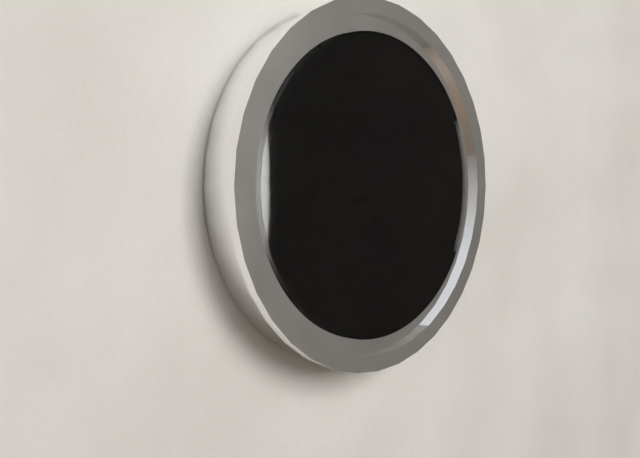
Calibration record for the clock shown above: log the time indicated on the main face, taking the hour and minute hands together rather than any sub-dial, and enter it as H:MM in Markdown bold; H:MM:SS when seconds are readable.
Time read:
**12:06**
